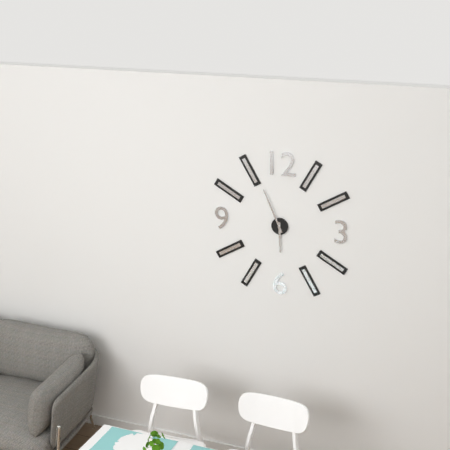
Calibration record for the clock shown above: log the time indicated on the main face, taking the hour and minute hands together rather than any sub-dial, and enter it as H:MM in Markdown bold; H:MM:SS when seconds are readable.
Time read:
**5:56**
